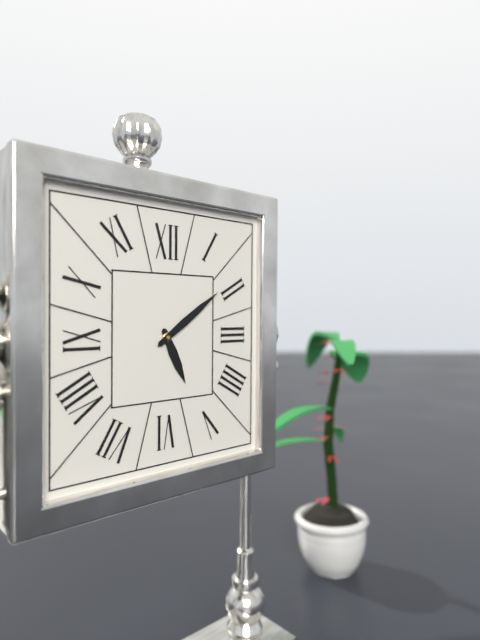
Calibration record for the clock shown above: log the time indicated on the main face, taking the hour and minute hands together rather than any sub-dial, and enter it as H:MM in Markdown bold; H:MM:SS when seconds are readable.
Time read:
**5:09**
